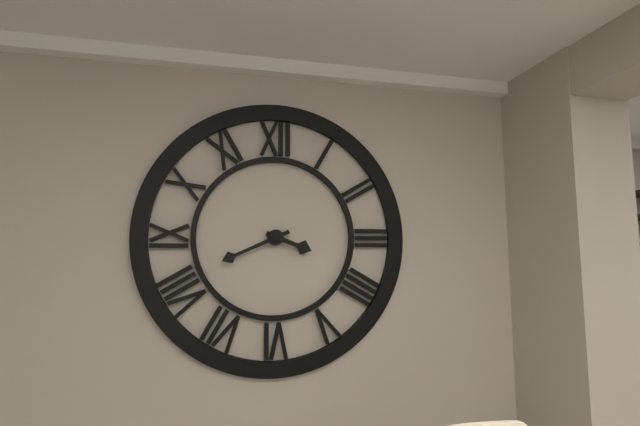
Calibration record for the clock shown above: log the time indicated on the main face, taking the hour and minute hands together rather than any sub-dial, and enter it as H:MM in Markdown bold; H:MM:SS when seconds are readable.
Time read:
**3:41**
